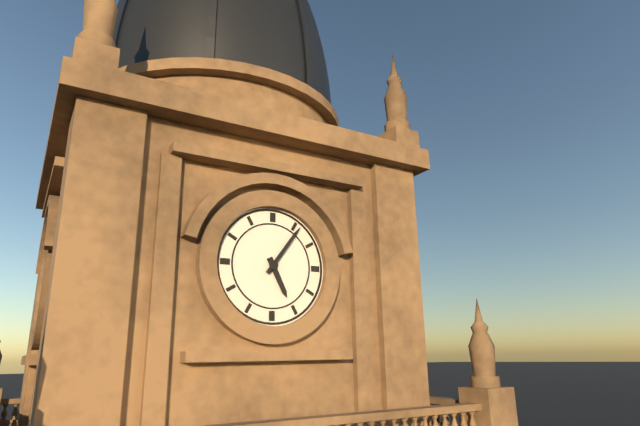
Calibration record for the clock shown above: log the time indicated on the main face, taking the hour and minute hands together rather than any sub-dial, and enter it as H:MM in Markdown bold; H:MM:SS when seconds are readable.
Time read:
**5:06**
